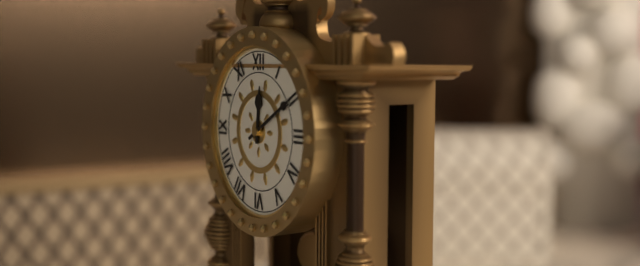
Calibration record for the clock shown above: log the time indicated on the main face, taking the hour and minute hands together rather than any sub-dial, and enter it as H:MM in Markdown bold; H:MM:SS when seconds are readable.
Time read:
**12:10**
